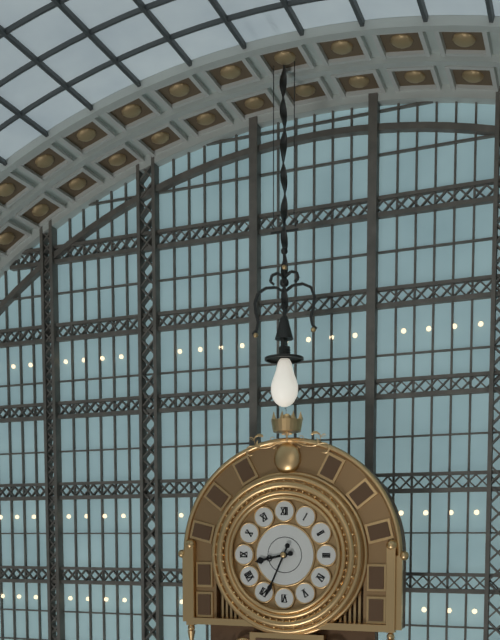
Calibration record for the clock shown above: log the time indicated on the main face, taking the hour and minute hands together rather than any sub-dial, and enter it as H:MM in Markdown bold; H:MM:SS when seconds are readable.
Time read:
**8:34**
